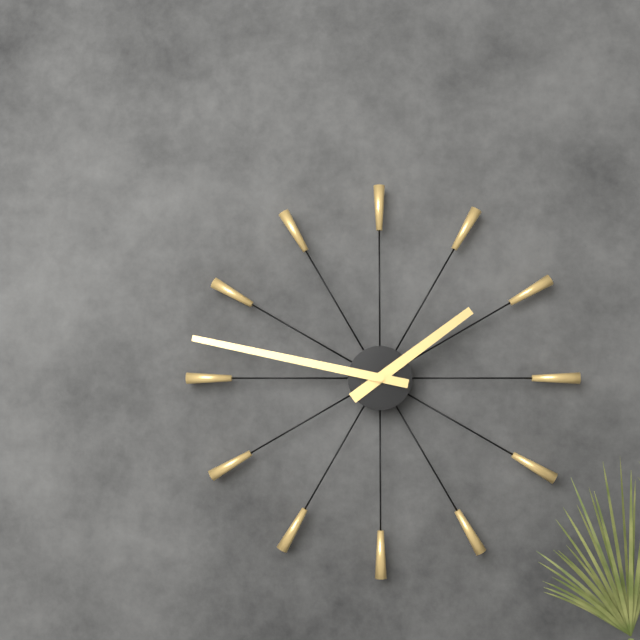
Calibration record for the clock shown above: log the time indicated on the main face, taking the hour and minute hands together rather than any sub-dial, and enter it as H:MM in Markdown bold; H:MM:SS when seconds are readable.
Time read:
**1:47**
